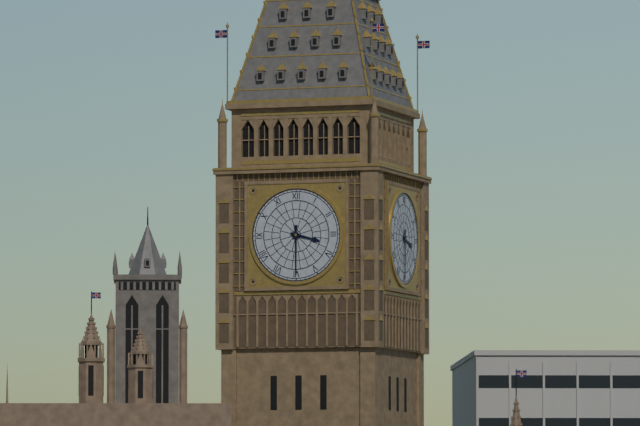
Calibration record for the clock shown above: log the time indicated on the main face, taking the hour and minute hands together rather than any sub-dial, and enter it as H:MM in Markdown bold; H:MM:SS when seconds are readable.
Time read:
**3:30**
